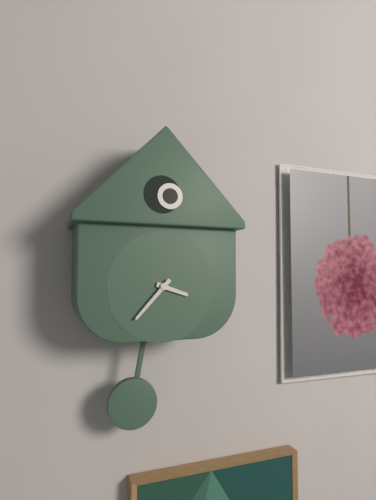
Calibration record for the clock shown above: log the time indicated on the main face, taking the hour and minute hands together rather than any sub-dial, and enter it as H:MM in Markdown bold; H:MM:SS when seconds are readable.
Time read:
**3:37**
